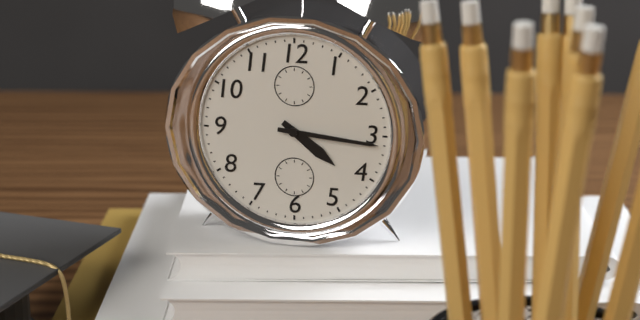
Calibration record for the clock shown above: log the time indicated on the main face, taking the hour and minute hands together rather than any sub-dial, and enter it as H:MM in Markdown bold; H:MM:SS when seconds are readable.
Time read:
**4:16**
